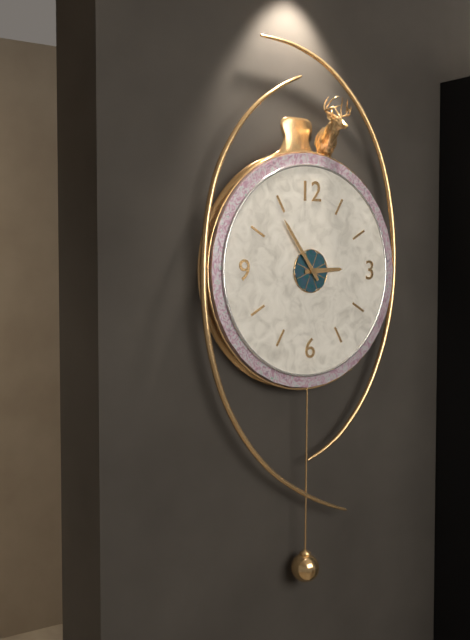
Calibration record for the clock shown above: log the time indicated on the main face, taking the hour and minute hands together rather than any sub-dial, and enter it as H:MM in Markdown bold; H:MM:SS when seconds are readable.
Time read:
**2:54**
